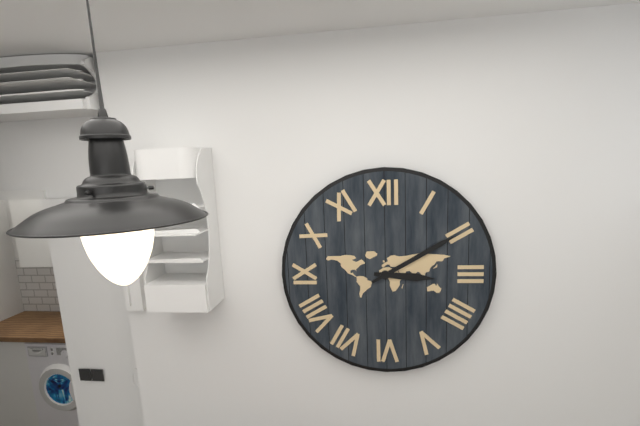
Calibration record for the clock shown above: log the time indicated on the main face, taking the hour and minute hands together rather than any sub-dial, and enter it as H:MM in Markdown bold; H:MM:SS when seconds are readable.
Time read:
**3:10**
